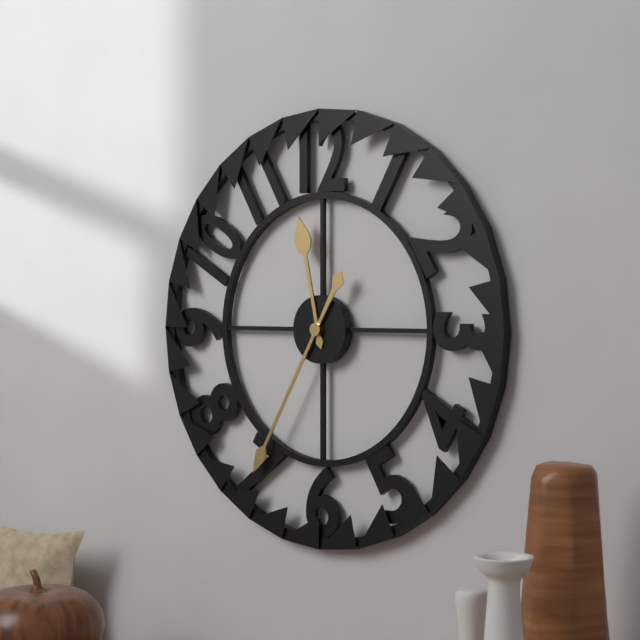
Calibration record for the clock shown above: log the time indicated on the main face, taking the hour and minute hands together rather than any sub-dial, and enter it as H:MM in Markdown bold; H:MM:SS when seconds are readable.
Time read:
**11:35**
